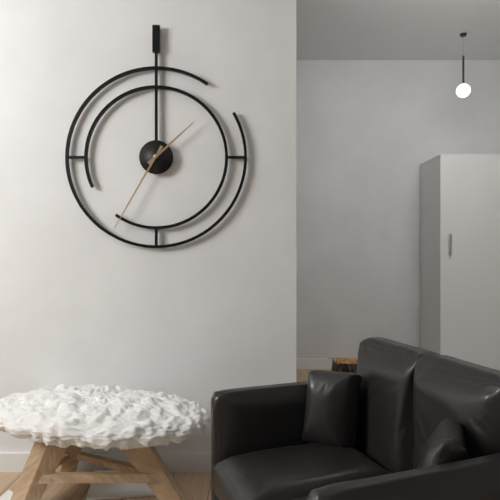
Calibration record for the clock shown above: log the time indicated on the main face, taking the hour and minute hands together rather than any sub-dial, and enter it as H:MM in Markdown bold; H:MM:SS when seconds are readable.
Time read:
**1:35**
